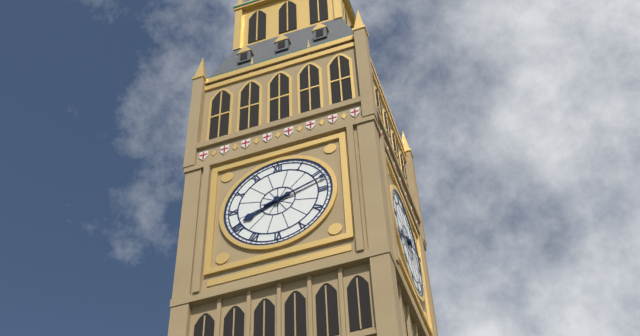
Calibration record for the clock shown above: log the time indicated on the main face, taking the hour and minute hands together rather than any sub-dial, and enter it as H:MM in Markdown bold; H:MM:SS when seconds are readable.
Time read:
**8:12**
